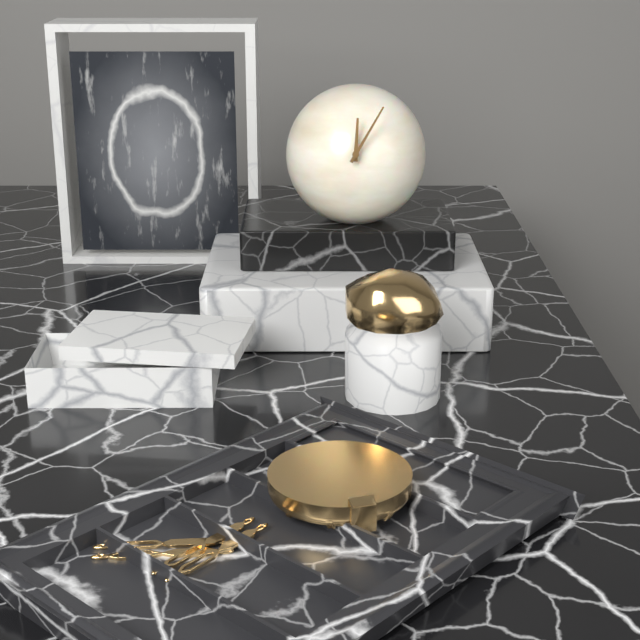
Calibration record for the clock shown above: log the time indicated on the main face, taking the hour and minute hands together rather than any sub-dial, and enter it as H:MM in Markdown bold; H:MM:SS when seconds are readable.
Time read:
**12:05**
